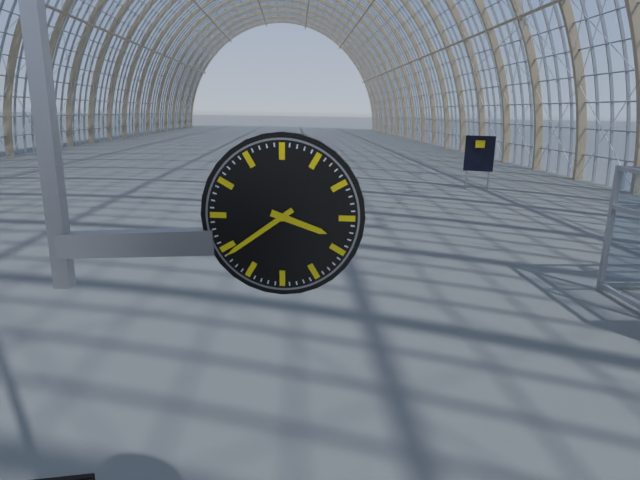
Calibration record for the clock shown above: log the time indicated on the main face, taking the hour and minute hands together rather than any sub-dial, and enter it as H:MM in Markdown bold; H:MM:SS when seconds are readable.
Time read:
**3:39**
